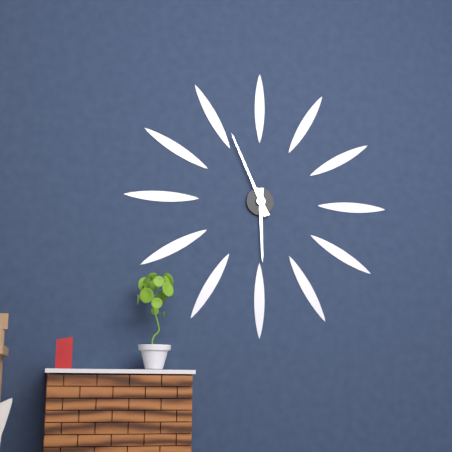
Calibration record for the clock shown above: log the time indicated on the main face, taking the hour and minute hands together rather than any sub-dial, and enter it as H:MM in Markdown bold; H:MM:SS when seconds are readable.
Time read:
**5:56**
